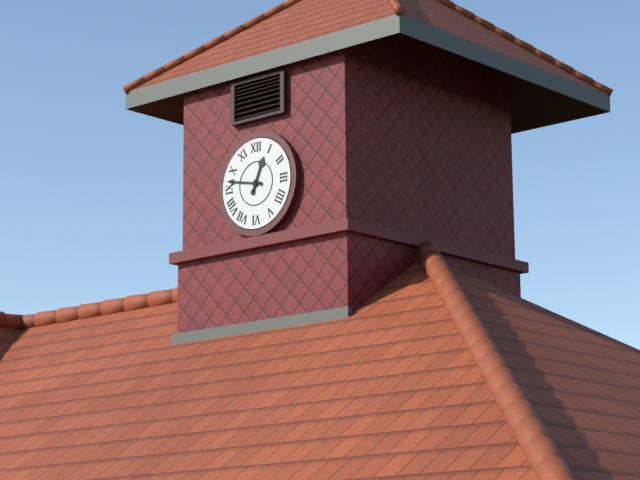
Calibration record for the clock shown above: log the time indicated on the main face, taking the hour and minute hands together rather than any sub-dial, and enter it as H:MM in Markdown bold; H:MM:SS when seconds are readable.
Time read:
**12:47**
